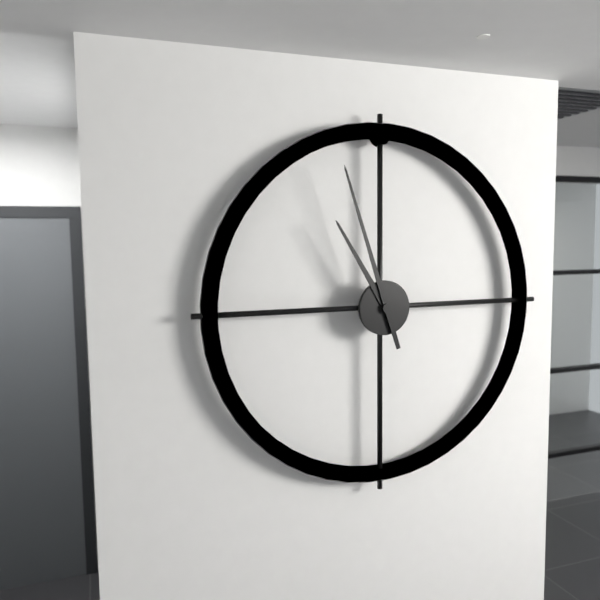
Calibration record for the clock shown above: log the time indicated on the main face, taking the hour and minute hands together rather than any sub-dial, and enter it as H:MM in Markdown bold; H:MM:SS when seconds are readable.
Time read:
**10:57**
